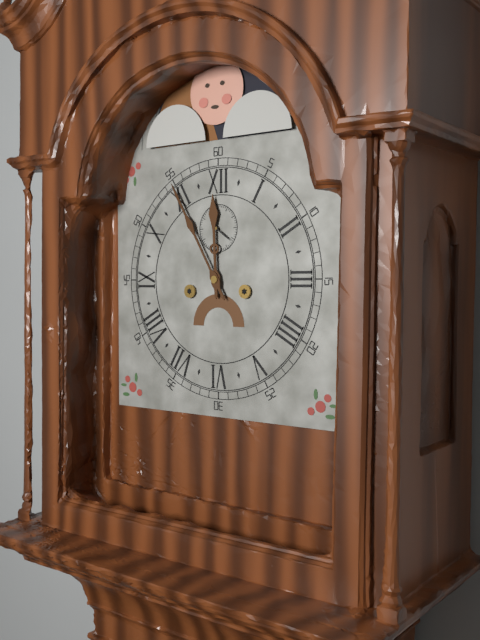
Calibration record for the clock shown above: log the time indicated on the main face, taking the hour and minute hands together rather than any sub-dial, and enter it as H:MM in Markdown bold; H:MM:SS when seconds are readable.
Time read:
**11:55**
